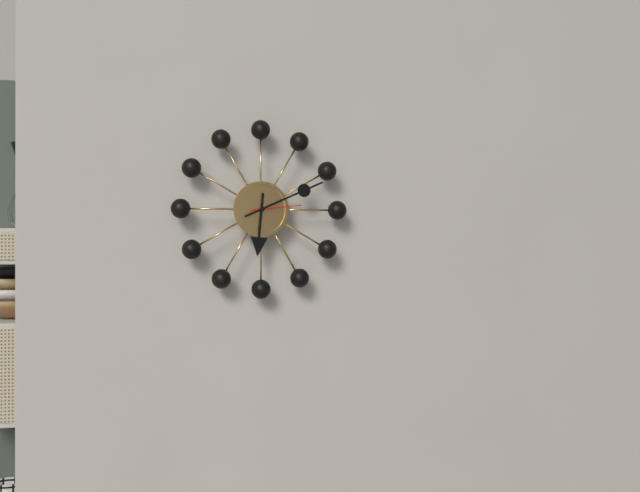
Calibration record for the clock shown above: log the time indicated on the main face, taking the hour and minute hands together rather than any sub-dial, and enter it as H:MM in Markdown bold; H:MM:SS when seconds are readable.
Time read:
**6:11**
